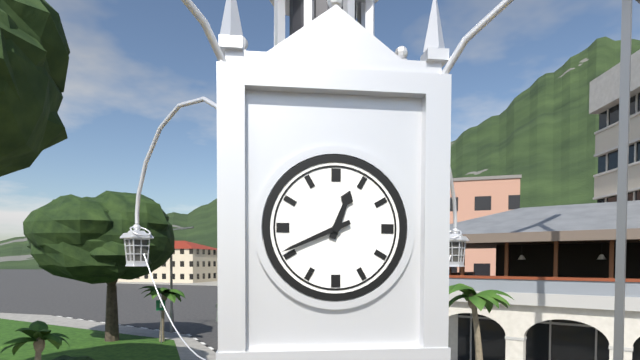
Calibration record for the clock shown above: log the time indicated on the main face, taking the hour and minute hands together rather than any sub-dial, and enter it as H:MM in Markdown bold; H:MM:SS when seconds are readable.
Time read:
**12:41**
